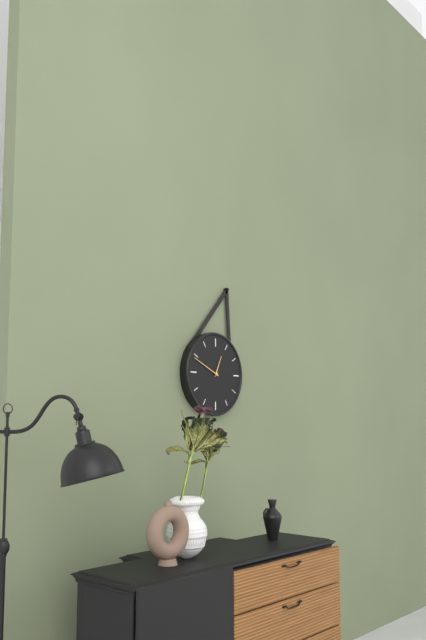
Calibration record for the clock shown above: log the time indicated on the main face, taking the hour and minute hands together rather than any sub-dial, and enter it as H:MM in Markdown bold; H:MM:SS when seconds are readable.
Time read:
**12:49**
